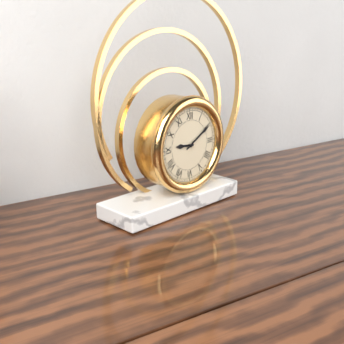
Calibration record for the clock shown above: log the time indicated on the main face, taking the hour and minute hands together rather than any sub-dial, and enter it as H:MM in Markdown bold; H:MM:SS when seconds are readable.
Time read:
**9:10**
